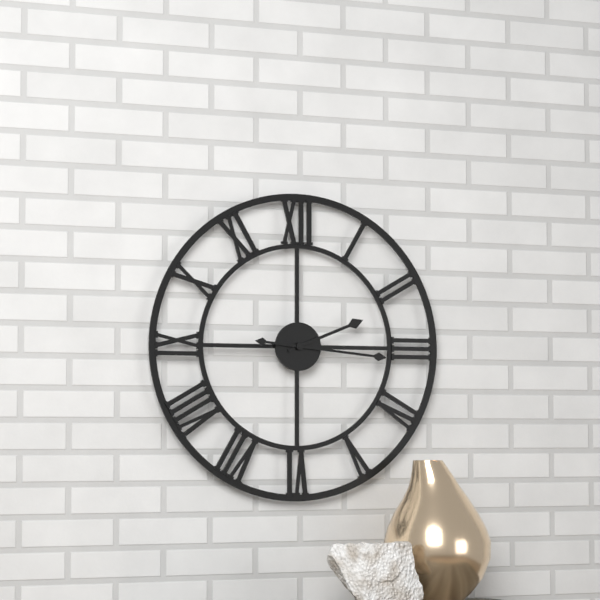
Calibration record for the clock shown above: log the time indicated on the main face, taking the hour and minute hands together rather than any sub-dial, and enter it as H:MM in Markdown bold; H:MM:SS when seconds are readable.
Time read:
**2:16**
